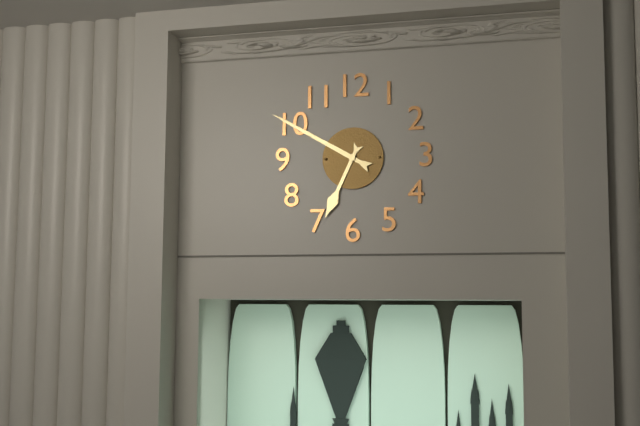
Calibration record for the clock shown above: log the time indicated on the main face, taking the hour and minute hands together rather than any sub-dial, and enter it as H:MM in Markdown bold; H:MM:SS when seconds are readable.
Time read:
**6:50**
